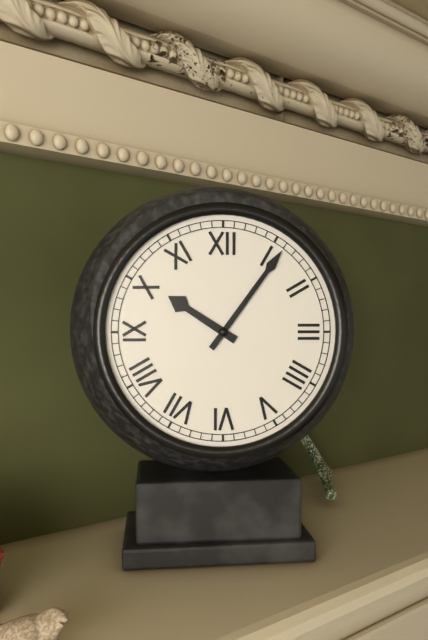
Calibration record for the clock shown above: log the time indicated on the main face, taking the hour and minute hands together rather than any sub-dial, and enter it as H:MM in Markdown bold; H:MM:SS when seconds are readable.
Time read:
**10:06**
